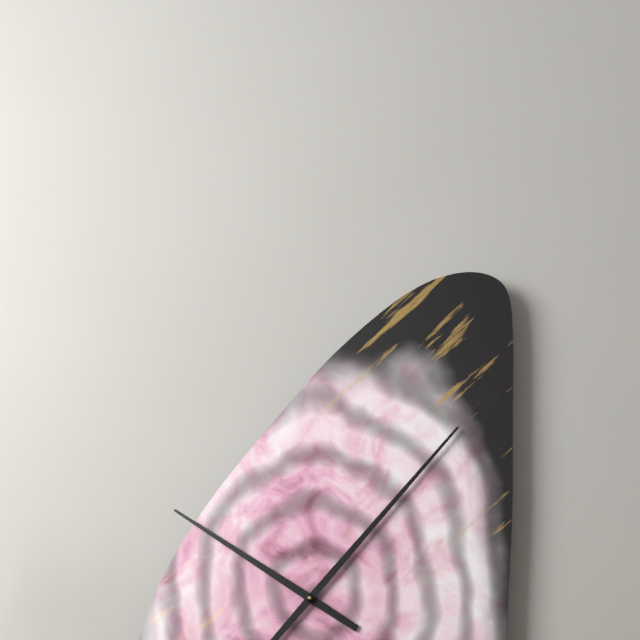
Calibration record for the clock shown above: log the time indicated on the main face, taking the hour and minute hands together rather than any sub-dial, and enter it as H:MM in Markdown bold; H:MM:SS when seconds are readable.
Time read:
**10:07**
